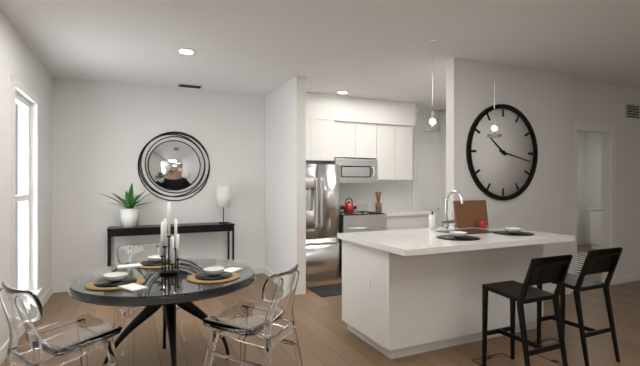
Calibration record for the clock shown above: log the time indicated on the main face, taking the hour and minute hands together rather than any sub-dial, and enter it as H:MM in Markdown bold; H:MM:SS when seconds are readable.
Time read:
**10:17**
